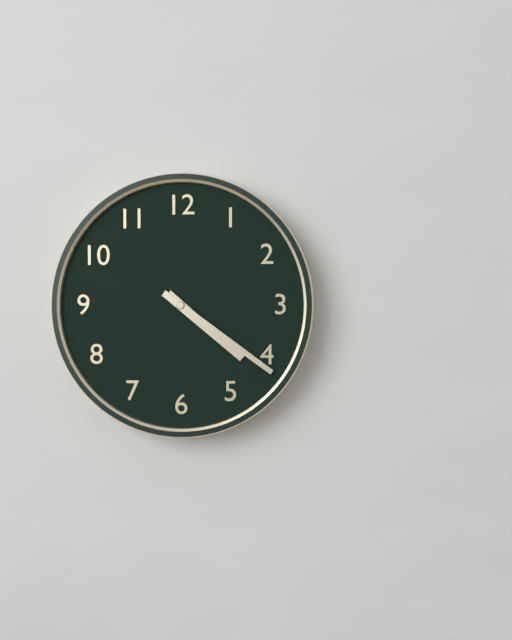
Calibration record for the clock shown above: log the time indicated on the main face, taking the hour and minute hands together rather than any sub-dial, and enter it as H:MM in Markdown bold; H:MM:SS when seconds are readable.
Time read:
**4:21**
